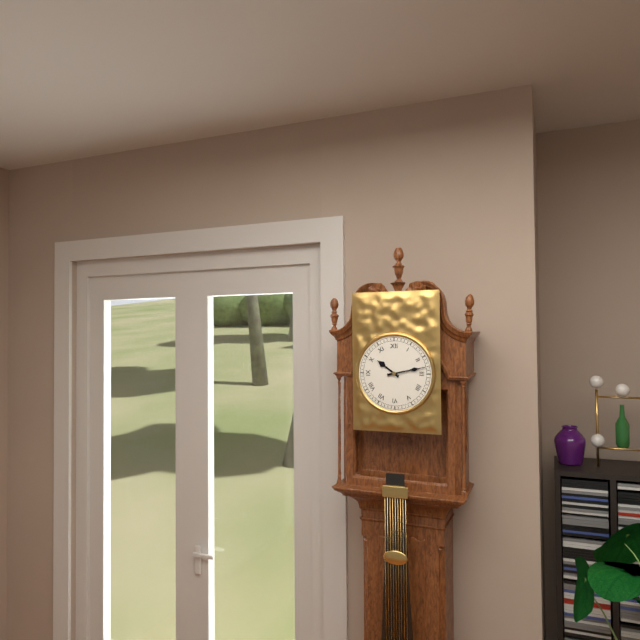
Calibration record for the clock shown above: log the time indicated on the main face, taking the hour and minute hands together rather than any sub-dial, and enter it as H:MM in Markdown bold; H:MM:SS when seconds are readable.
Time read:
**10:13**
